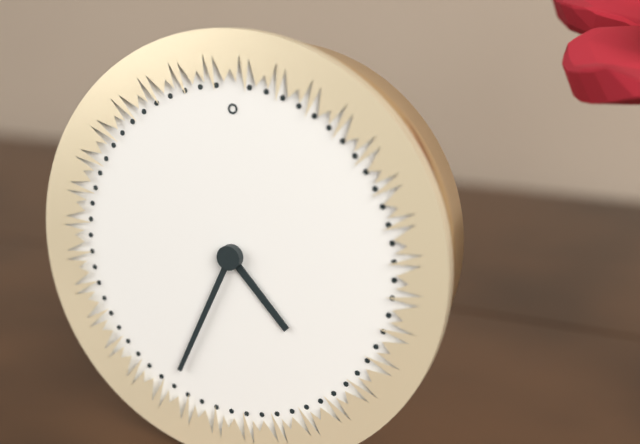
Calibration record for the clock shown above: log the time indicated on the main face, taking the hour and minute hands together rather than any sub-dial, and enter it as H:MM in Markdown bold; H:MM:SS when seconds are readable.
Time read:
**4:34**
